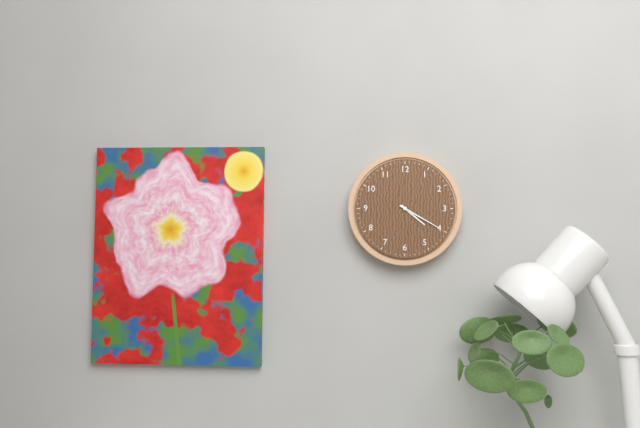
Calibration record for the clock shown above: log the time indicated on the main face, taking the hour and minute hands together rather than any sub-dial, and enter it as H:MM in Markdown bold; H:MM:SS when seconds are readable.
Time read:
**4:20**
